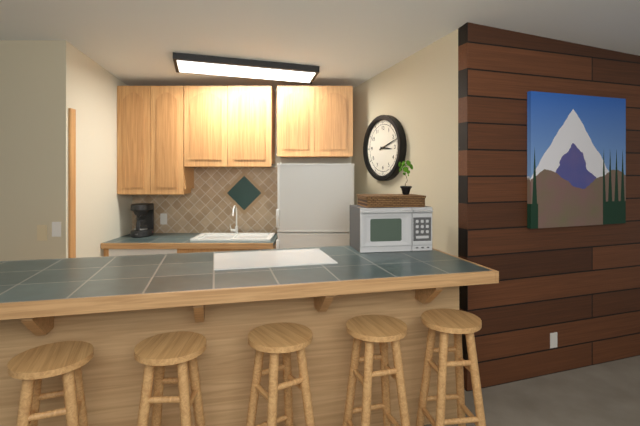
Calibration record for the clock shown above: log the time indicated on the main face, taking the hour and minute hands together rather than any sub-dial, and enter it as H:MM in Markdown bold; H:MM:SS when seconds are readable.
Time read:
**3:12**
